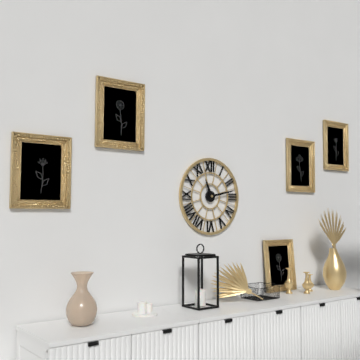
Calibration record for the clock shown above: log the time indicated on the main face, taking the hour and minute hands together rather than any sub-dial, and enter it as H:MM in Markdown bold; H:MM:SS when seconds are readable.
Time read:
**11:13**
